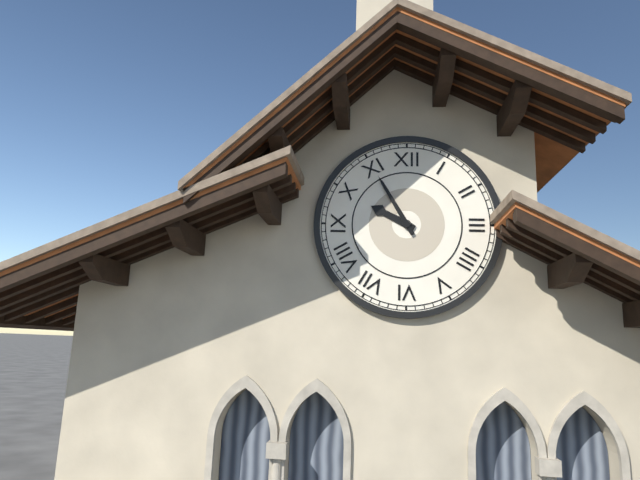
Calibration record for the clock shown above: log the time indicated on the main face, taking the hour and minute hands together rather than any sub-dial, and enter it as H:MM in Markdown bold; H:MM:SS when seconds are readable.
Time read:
**9:55**
